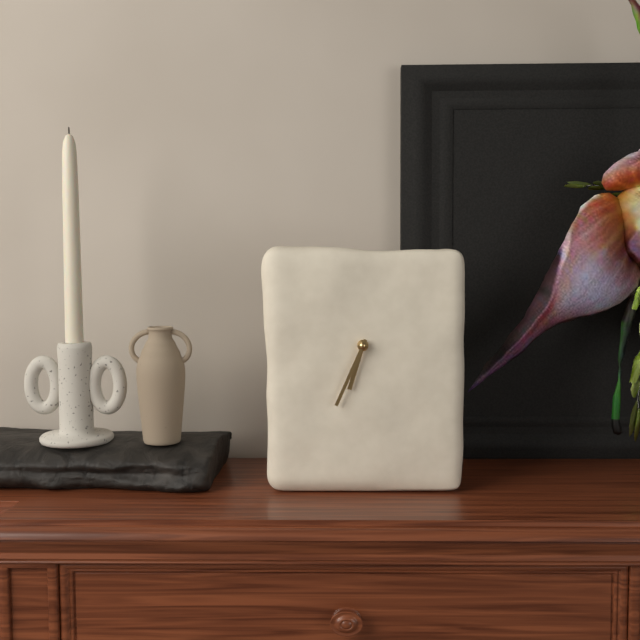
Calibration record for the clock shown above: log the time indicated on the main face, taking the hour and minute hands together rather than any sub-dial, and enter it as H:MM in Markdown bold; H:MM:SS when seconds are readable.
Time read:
**6:34**
